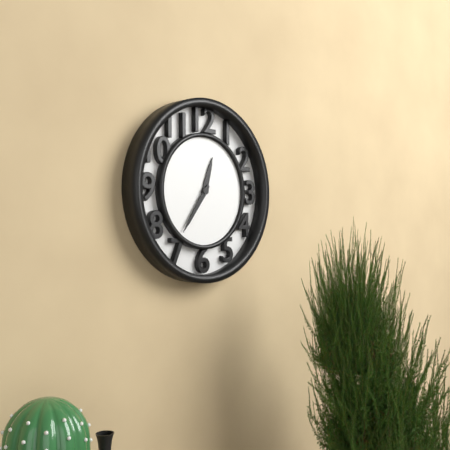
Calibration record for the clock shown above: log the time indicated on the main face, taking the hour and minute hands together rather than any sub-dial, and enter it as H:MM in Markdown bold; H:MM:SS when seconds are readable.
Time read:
**12:36**
